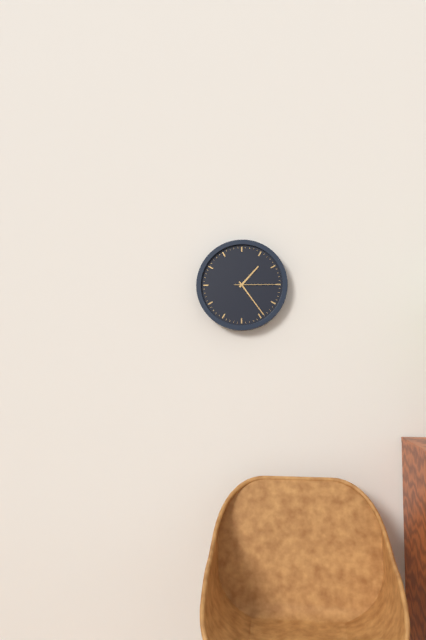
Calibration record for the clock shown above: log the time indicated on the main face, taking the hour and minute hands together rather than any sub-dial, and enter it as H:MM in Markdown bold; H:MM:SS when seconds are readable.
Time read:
**1:24**
